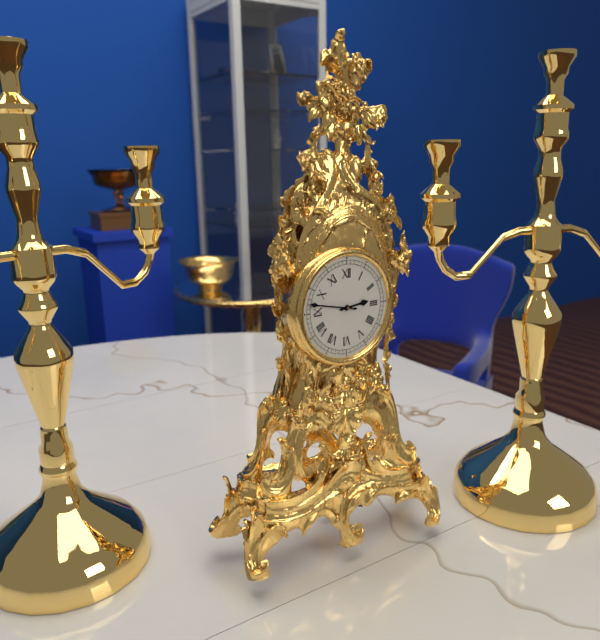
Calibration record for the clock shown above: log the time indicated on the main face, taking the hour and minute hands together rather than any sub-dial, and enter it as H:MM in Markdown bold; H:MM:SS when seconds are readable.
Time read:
**2:47**
